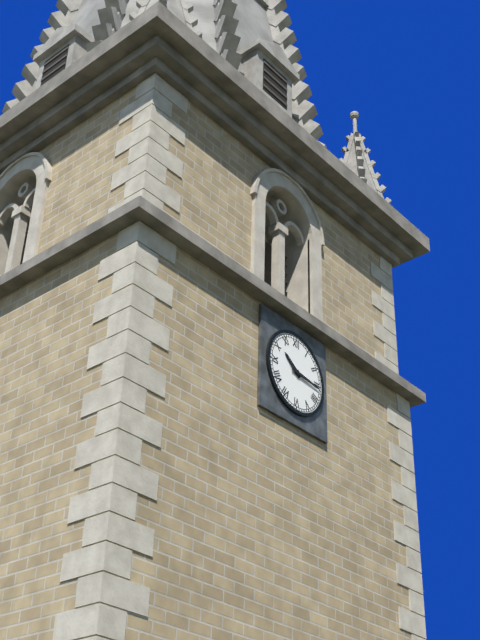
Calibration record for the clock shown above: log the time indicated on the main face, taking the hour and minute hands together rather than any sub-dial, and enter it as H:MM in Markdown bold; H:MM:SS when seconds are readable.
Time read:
**10:16**
